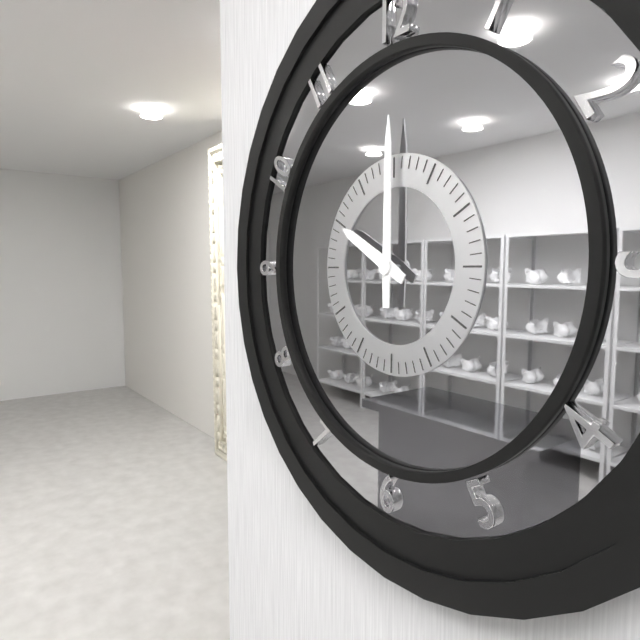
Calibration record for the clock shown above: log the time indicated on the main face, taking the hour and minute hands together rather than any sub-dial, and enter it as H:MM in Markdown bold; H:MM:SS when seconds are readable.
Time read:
**10:00**
